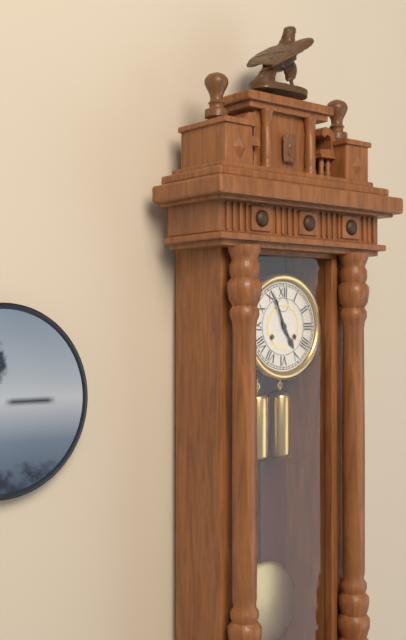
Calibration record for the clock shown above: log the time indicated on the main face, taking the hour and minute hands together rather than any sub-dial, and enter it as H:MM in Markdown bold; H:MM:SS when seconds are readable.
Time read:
**4:56**
